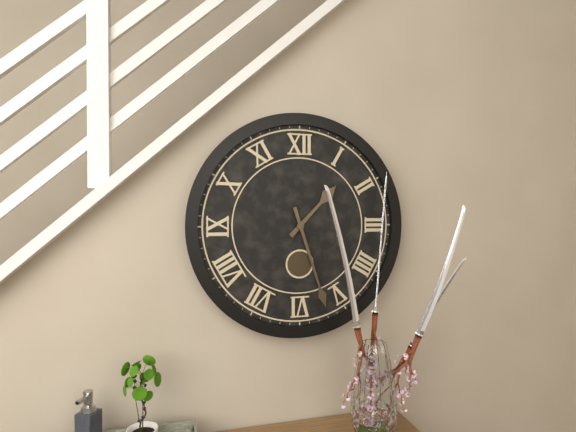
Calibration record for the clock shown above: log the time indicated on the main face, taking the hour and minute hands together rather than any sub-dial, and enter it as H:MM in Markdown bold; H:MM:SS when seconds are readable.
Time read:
**1:27**
